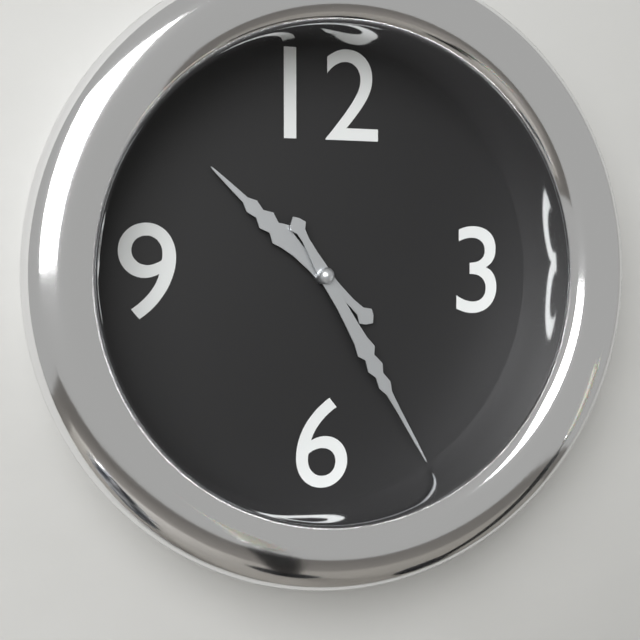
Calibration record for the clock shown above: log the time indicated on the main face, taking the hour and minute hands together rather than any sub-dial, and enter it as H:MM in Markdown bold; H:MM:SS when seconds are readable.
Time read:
**10:25**
